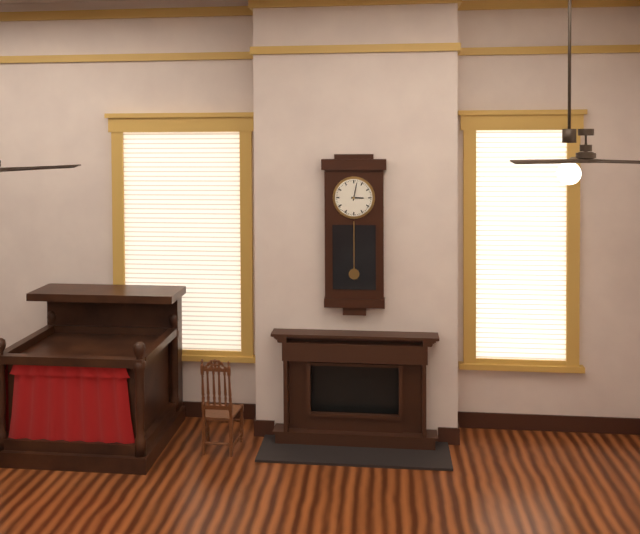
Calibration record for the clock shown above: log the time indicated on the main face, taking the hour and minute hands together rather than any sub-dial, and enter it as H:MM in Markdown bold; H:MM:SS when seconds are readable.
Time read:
**3:02**
